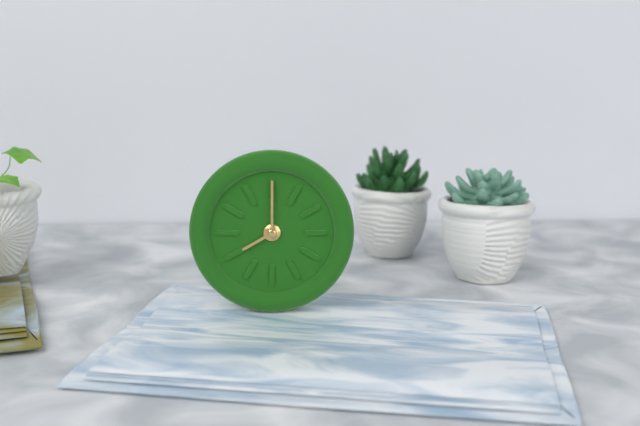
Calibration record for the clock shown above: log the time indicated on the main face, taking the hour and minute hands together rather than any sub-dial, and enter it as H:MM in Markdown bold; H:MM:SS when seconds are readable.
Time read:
**8:00**
